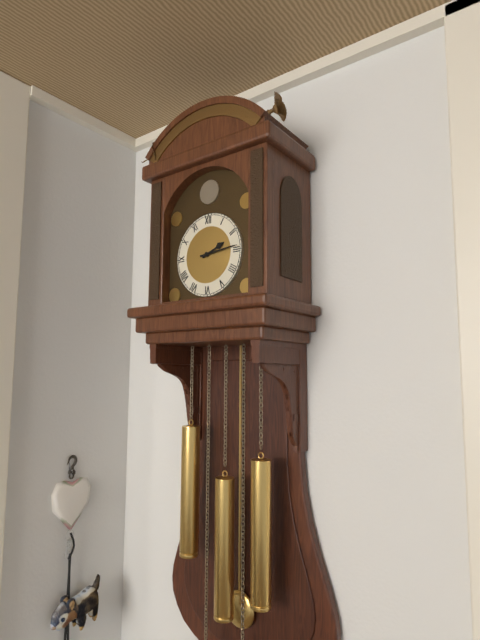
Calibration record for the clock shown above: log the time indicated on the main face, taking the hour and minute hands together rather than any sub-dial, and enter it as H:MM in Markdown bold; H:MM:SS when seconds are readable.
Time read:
**2:14**
